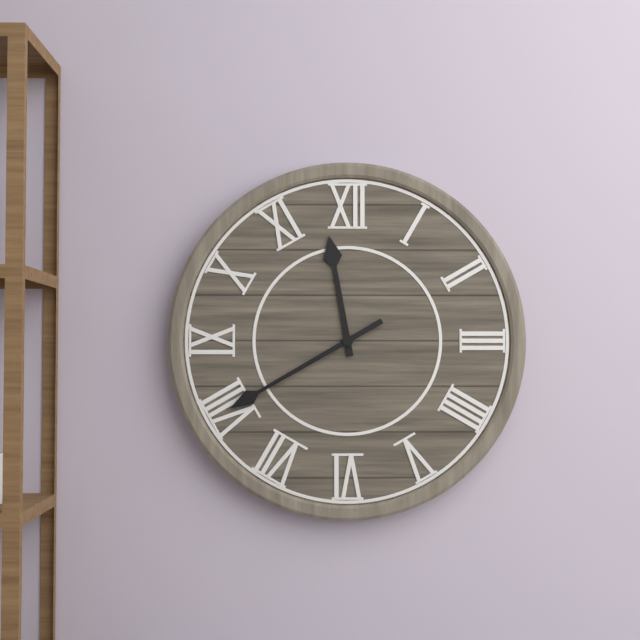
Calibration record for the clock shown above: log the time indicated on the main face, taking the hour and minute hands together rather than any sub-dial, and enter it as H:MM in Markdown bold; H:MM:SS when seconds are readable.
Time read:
**11:40**
